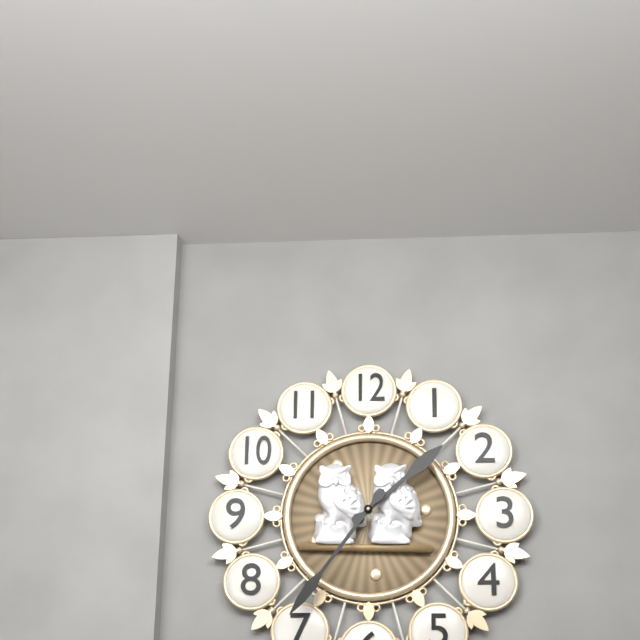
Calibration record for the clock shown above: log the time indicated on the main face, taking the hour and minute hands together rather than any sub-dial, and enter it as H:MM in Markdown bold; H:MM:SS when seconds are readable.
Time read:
**1:36**
